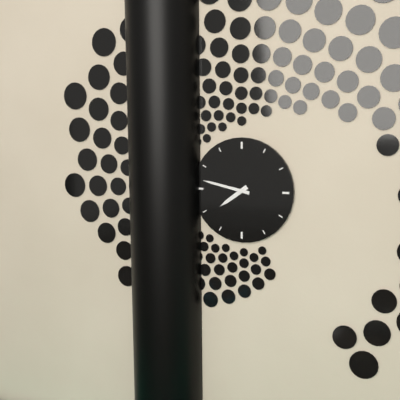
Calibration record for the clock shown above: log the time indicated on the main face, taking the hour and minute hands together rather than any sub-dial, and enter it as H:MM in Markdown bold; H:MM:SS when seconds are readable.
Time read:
**7:47**
